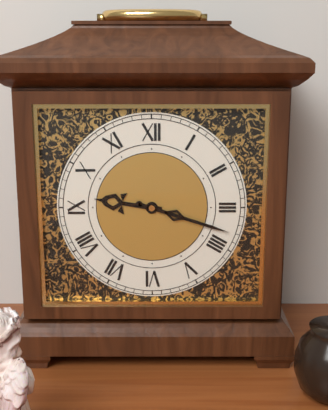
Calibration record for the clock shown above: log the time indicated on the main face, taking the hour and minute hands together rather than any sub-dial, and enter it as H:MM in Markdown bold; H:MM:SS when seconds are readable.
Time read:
**9:18**
